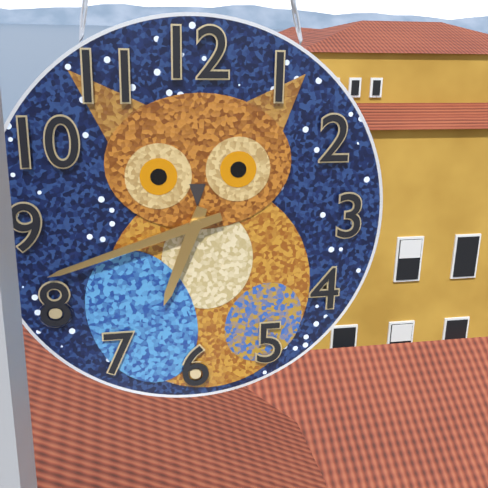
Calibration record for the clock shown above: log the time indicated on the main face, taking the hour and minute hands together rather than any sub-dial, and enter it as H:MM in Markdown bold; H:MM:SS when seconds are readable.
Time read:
**6:42**
